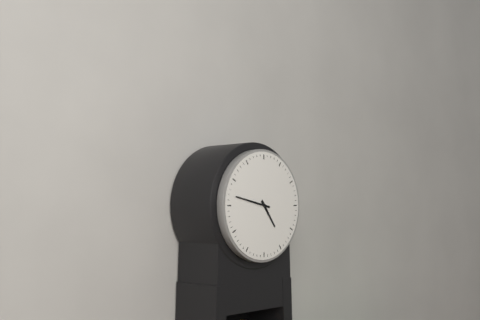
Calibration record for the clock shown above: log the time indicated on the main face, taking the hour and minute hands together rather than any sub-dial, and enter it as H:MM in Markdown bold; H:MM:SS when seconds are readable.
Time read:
**4:47**
